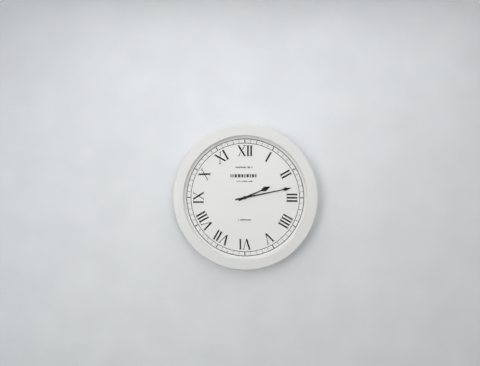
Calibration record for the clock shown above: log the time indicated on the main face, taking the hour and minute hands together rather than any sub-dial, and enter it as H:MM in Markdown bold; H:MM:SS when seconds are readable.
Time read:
**2:13**
